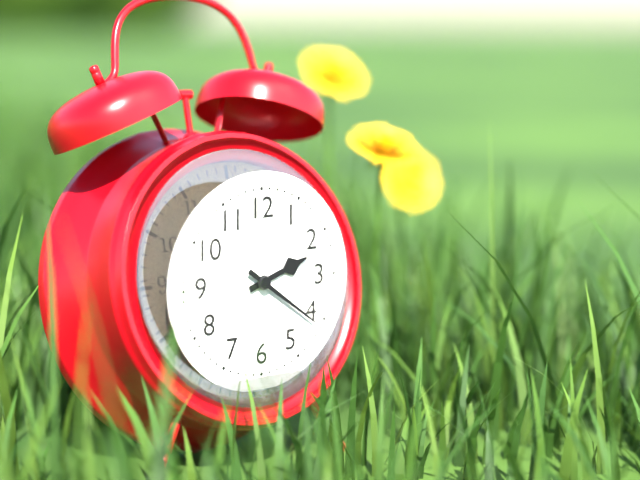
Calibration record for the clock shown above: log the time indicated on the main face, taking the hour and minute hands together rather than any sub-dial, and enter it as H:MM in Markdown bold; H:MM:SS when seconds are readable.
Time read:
**2:21**
